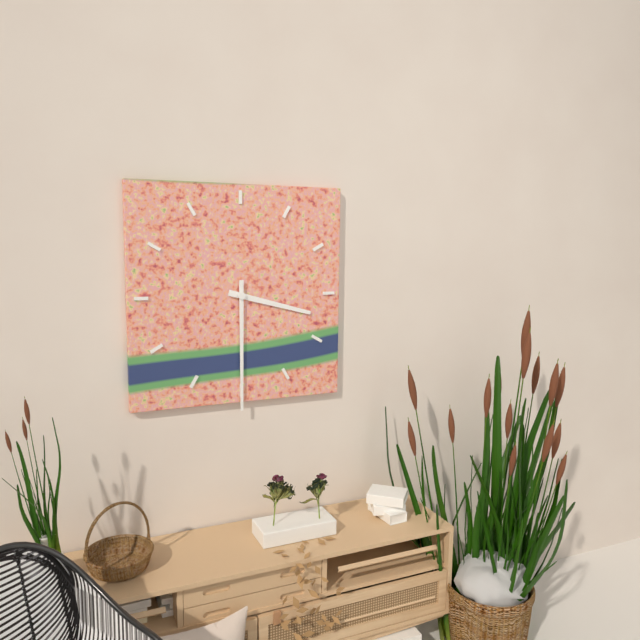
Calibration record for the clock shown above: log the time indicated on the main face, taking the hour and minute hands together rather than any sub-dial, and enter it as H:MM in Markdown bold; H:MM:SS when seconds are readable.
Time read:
**3:30**
